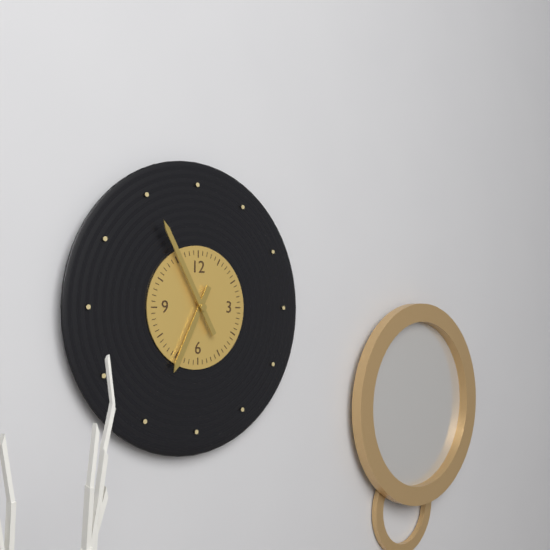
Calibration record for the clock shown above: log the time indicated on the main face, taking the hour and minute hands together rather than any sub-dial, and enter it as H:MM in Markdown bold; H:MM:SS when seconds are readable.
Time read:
**6:55**
